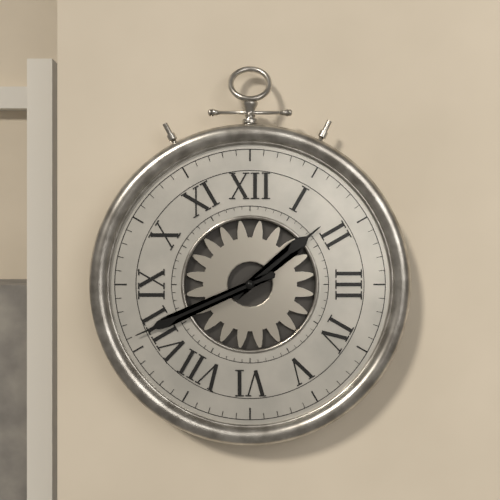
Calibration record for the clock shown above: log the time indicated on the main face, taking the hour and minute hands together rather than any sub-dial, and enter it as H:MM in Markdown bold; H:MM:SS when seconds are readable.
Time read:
**1:41**
